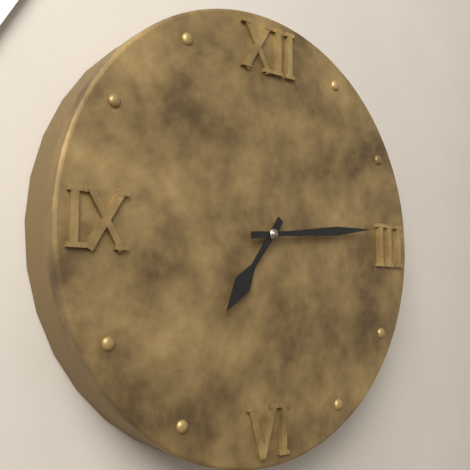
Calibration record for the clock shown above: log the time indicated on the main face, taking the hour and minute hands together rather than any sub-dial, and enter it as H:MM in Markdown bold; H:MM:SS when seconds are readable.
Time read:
**7:14**
